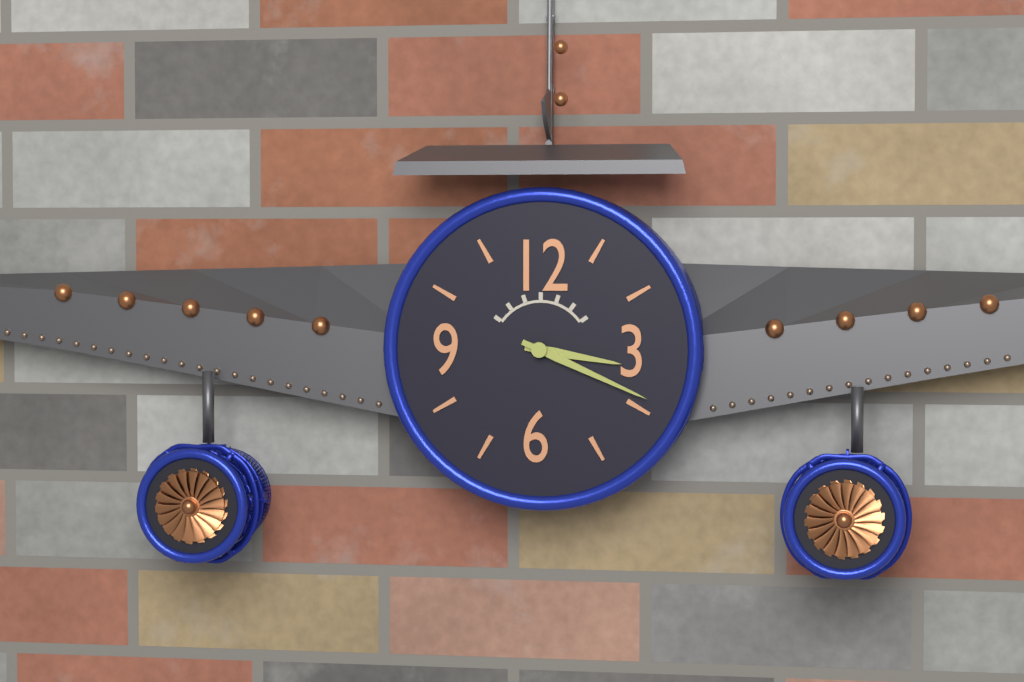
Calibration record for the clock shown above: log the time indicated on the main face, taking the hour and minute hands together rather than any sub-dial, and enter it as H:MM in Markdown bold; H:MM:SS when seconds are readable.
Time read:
**3:19**
